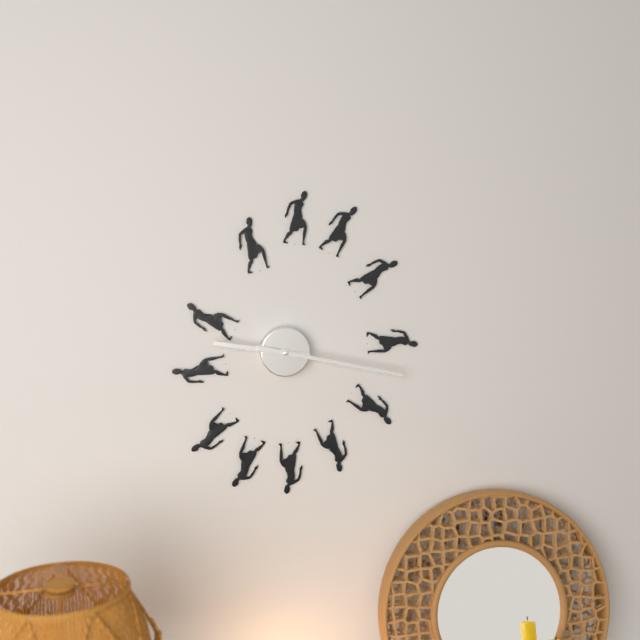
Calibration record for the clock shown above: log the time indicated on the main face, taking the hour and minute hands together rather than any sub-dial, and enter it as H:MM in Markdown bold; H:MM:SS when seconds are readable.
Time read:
**9:17**
